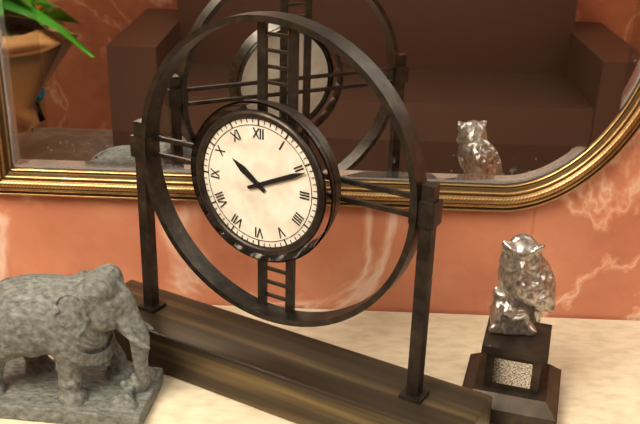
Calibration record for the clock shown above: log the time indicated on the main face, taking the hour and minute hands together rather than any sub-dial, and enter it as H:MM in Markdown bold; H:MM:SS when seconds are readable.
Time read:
**10:11**
